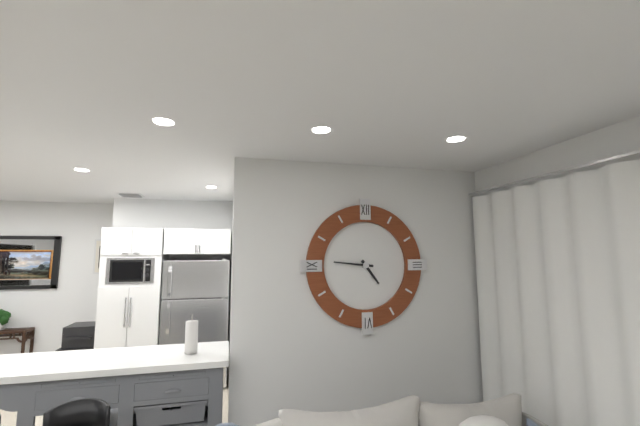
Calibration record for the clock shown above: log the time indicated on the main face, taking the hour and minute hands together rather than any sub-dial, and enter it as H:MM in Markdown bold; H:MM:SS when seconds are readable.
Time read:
**4:46**
